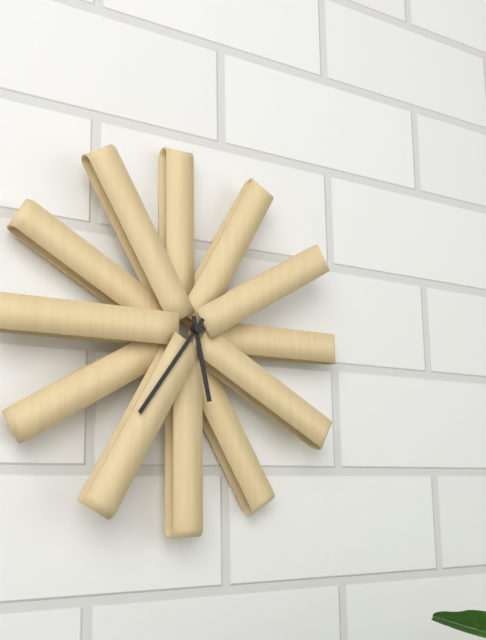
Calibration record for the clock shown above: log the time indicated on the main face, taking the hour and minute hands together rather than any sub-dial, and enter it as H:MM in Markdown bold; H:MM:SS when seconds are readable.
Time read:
**5:36**
